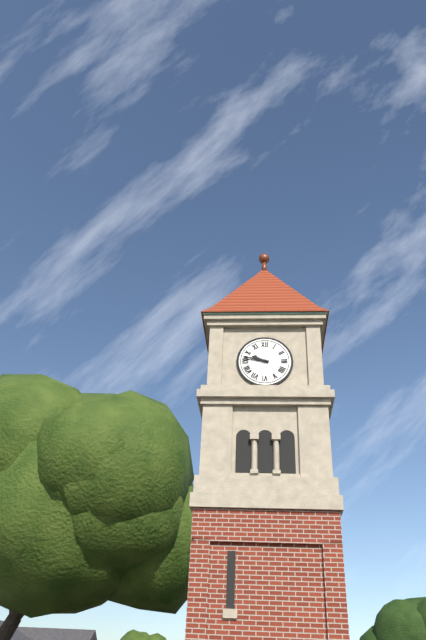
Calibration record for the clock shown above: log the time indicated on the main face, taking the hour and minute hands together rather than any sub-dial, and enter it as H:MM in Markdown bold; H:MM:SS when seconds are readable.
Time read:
**9:47**
